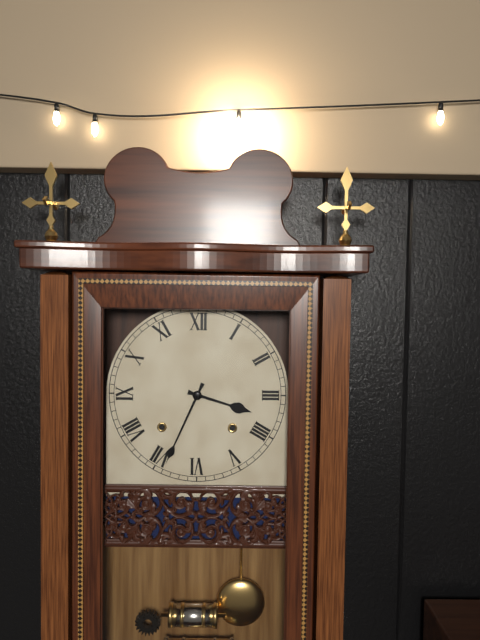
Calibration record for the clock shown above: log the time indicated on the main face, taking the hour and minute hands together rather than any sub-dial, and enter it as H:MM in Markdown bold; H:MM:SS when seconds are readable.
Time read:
**3:34**
